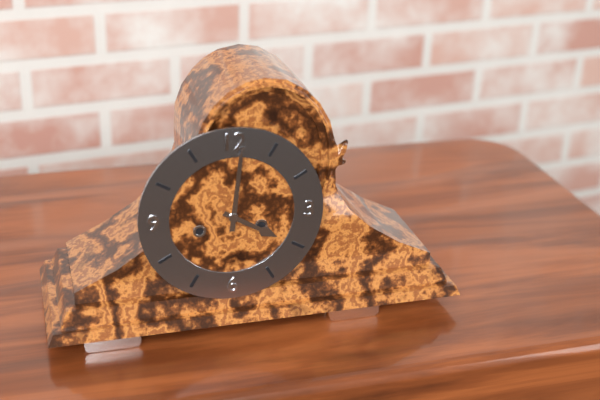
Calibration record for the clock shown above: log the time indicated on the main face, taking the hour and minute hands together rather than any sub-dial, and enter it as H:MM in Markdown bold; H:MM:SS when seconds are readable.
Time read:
**4:01**
